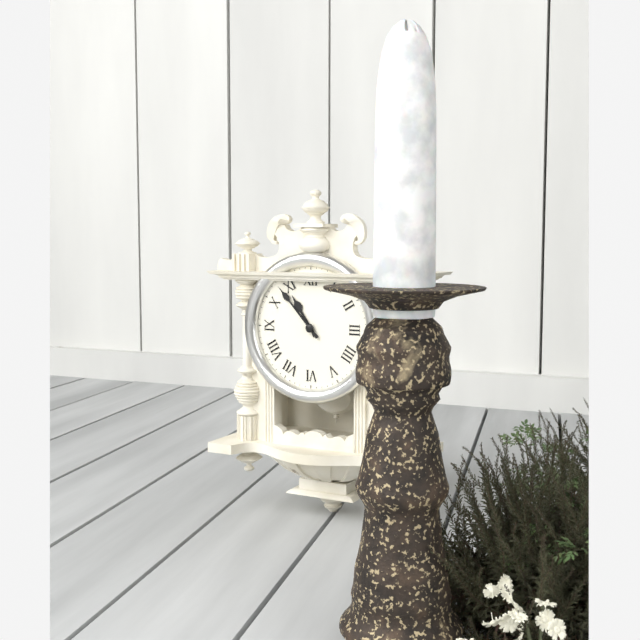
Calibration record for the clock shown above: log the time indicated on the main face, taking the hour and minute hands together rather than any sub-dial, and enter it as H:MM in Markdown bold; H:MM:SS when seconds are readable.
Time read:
**10:53**
